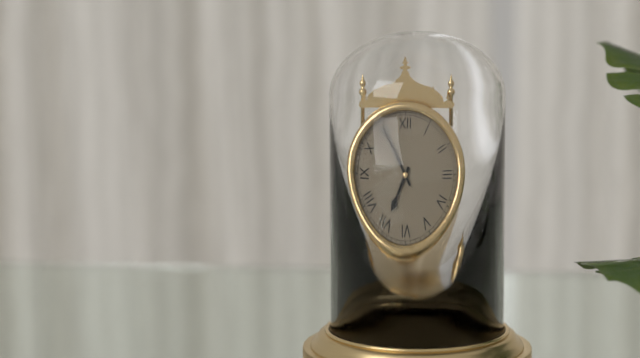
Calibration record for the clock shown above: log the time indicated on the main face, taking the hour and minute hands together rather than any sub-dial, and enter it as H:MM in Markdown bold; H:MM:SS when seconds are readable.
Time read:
**6:55**
